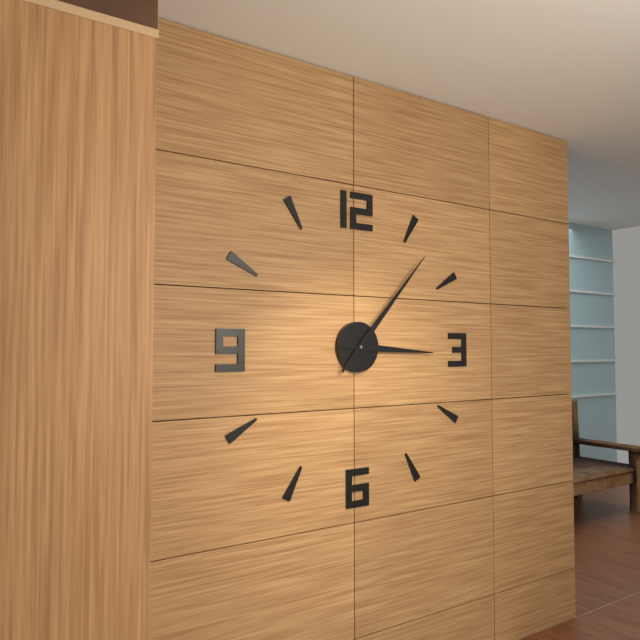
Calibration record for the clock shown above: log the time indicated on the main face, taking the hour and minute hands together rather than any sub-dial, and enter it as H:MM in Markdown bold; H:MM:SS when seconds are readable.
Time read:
**3:07**
